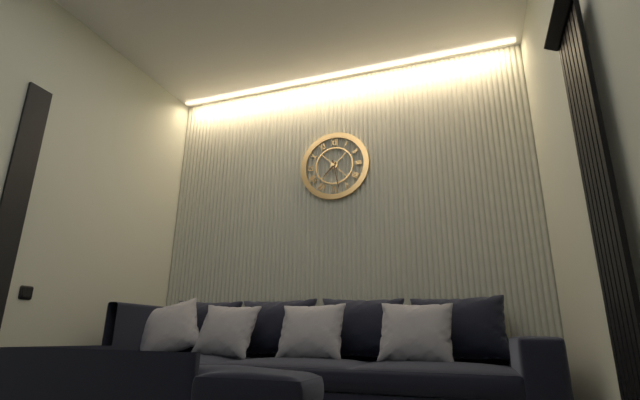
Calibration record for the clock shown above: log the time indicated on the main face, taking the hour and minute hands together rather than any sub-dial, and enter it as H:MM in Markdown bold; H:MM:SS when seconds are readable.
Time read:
**7:28**
